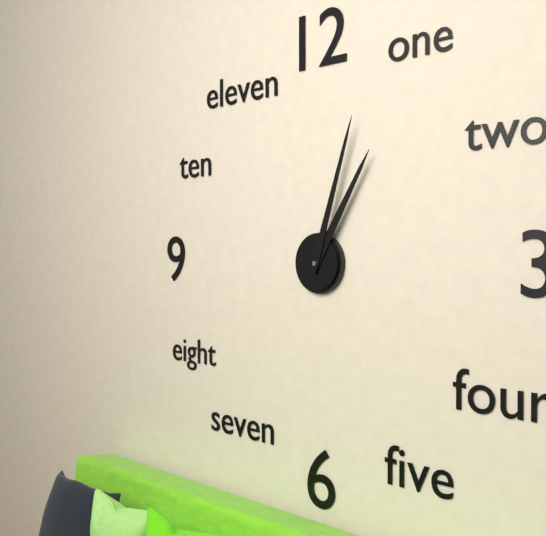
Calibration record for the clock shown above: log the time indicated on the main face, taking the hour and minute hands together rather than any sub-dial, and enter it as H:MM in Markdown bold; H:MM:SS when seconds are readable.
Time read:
**1:03**
